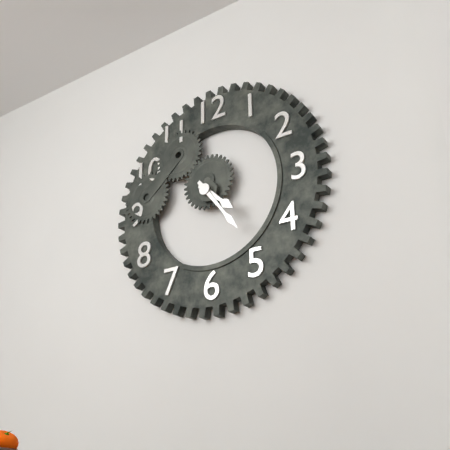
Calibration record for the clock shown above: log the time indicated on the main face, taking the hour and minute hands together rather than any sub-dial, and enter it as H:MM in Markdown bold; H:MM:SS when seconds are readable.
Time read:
**4:24**
